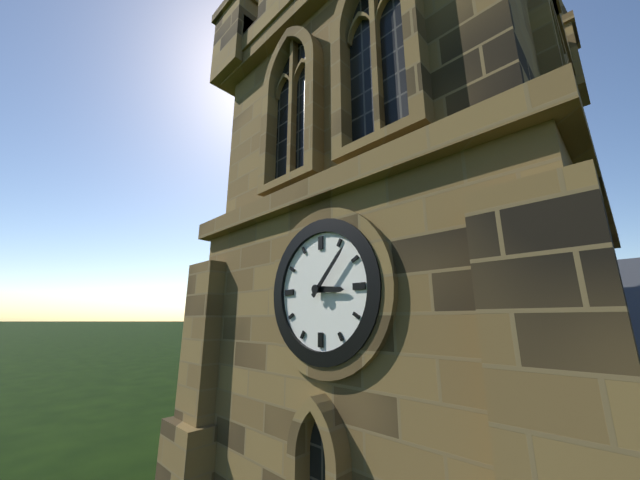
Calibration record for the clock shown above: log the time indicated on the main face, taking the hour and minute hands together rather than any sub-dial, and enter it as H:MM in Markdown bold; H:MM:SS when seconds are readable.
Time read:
**3:07**
